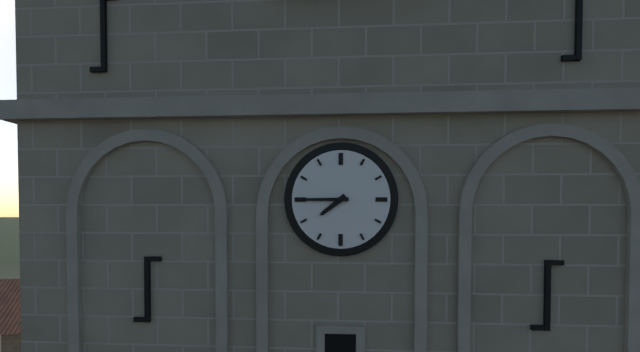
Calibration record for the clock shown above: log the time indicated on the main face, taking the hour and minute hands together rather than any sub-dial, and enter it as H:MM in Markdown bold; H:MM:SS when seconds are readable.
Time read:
**7:45**
